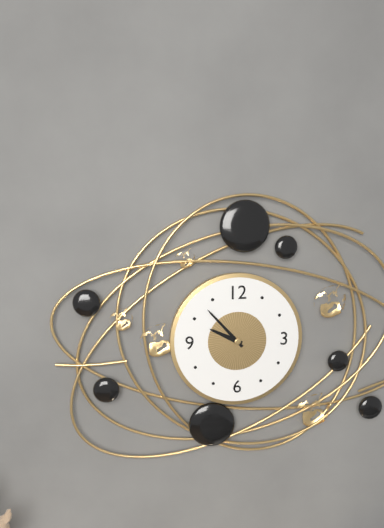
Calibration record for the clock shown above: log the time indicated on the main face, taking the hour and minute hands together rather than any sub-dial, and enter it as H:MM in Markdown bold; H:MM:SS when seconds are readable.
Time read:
**9:53**
